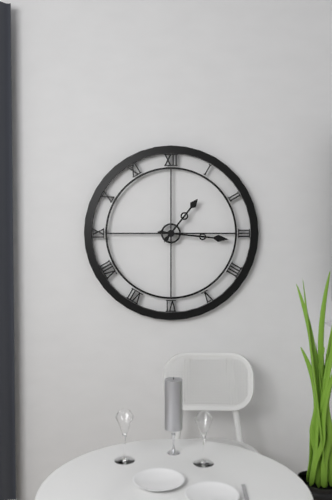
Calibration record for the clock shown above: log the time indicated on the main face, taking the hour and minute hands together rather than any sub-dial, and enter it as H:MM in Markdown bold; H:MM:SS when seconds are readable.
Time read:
**1:16**
